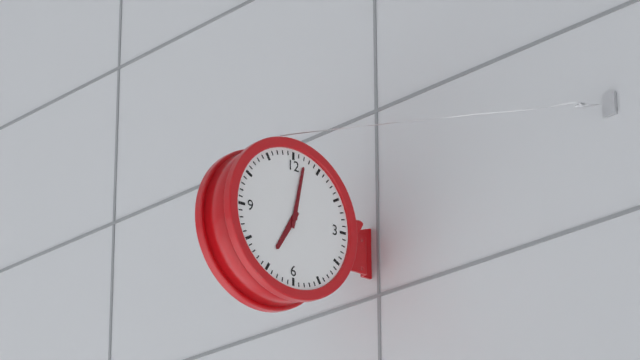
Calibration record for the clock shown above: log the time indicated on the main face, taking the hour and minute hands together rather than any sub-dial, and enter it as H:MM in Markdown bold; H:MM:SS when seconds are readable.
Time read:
**7:02**
